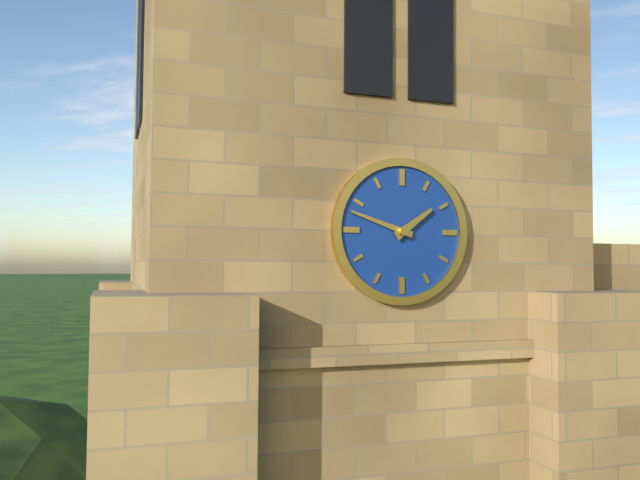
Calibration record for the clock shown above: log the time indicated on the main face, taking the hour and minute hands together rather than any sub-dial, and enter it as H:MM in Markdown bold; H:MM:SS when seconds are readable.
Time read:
**1:48**
